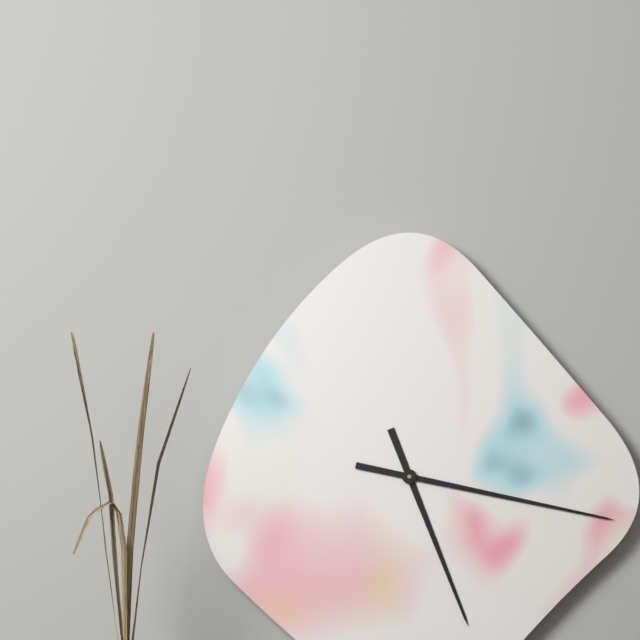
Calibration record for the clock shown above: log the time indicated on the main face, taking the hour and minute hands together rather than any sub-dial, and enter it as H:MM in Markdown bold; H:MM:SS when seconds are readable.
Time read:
**5:17**
